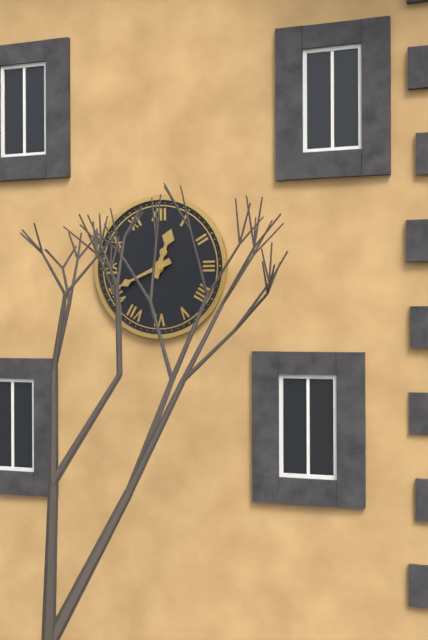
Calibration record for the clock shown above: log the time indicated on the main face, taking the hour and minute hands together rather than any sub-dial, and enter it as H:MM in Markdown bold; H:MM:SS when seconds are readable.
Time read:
**12:41**
